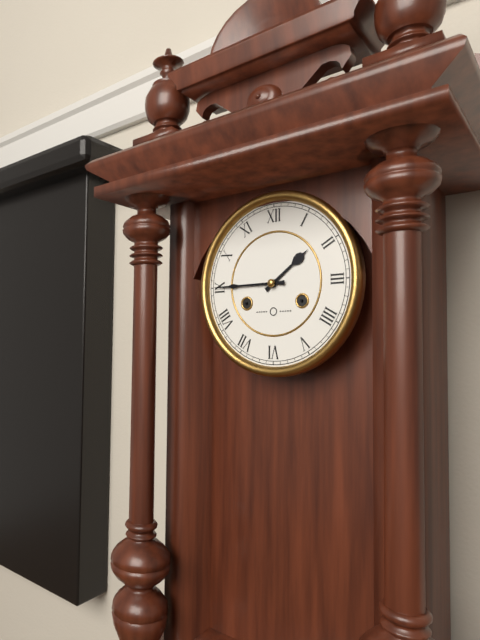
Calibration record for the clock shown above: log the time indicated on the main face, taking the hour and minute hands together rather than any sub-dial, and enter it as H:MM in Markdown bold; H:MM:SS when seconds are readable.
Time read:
**1:45**
